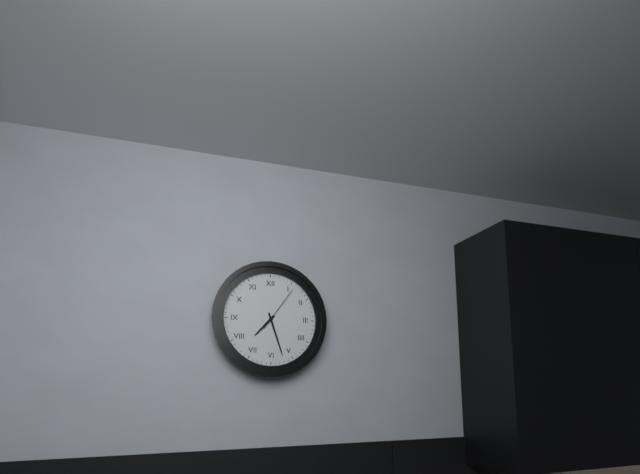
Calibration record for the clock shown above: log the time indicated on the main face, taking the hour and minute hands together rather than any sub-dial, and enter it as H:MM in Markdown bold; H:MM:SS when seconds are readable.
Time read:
**7:27**
